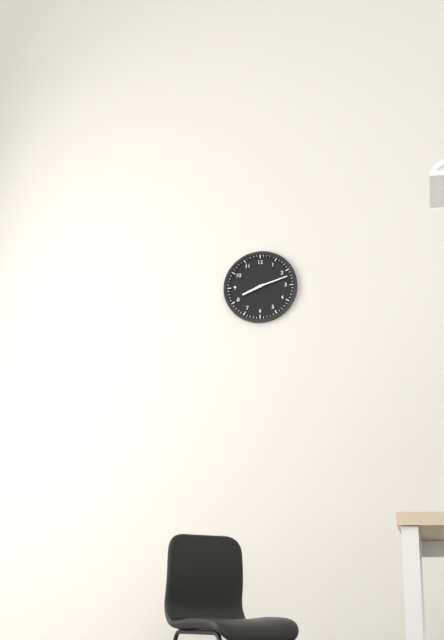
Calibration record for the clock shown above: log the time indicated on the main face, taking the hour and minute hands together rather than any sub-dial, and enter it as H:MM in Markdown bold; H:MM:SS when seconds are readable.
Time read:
**8:12**
